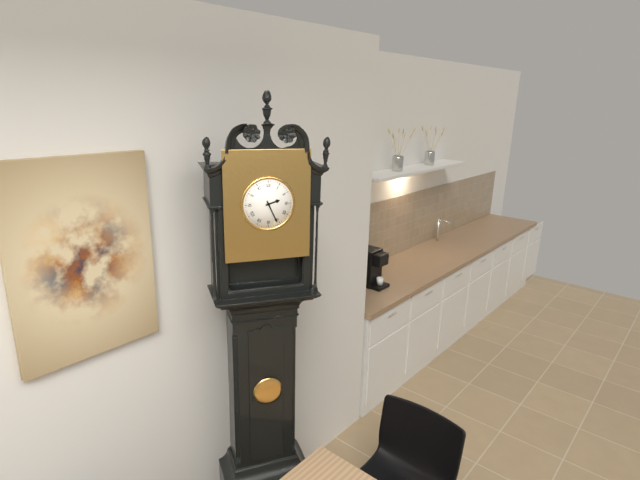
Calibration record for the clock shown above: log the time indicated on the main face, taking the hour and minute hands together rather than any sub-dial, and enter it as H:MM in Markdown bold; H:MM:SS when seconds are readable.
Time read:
**2:26**
